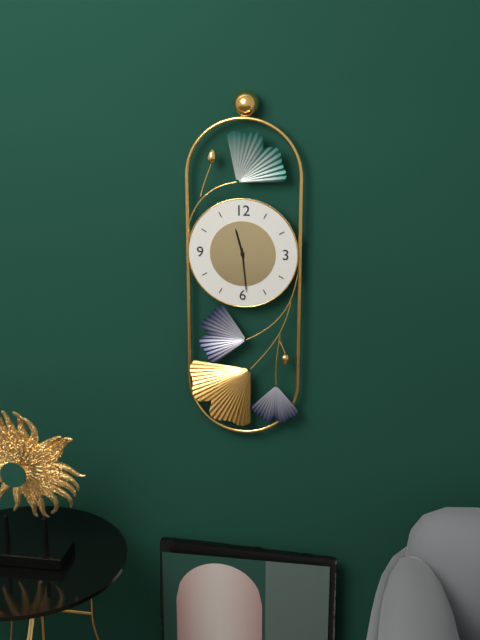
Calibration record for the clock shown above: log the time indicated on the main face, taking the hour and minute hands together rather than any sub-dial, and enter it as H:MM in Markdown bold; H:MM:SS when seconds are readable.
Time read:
**11:29**
